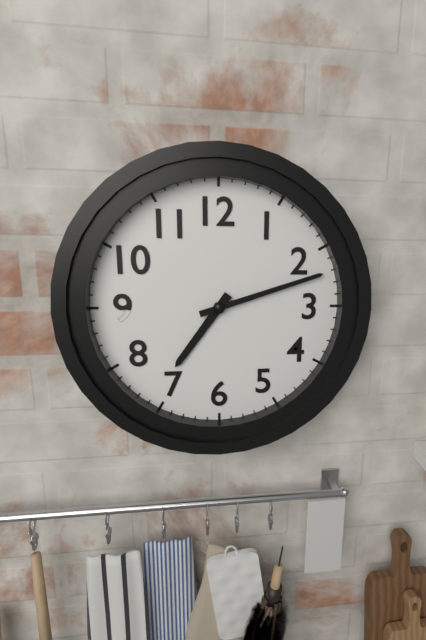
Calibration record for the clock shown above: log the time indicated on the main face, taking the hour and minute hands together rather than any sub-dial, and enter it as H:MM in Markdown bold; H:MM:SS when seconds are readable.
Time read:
**7:12**
